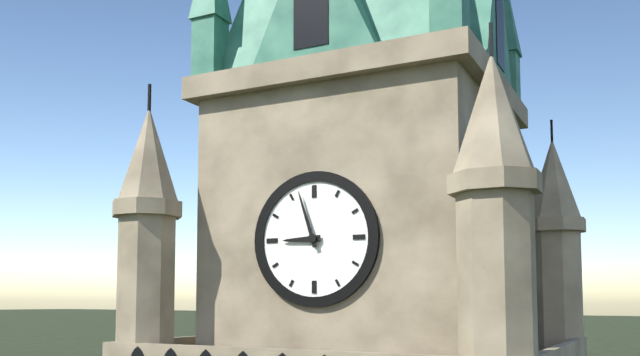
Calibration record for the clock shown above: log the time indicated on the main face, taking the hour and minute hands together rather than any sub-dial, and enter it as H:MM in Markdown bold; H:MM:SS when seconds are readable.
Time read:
**8:57**
